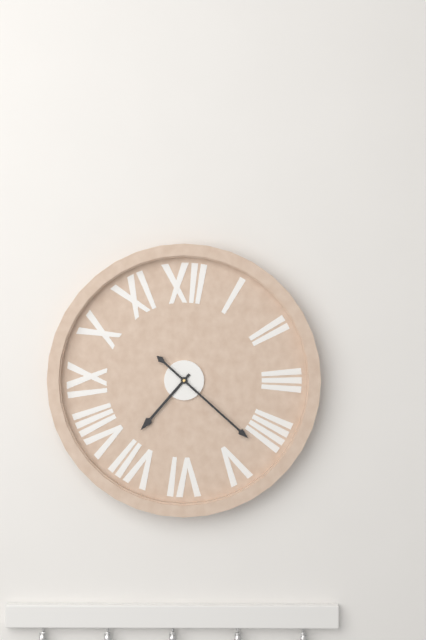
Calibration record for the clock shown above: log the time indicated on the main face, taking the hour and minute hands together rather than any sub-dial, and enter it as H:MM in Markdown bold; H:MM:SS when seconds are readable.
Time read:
**7:22**
